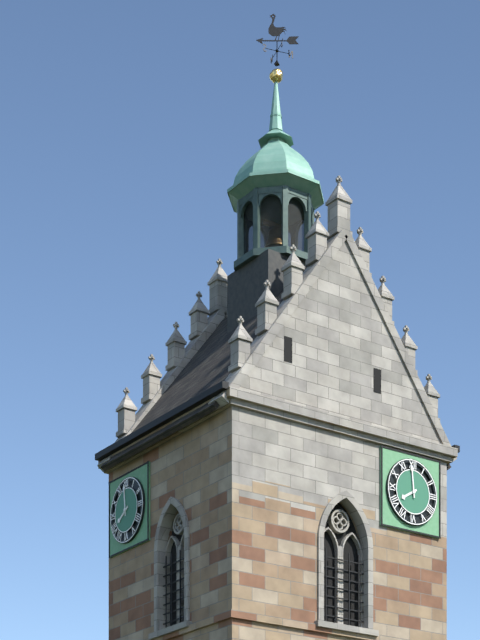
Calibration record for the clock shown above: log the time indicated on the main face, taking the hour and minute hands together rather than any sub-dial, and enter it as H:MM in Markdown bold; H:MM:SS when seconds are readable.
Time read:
**7:59**
